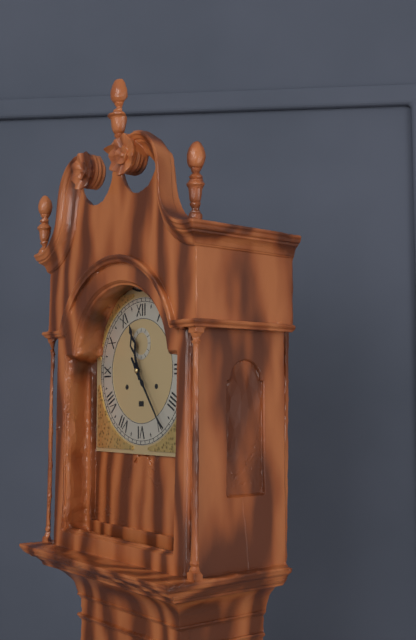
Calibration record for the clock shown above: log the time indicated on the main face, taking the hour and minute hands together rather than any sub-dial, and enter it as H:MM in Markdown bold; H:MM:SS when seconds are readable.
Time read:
**11:24**
